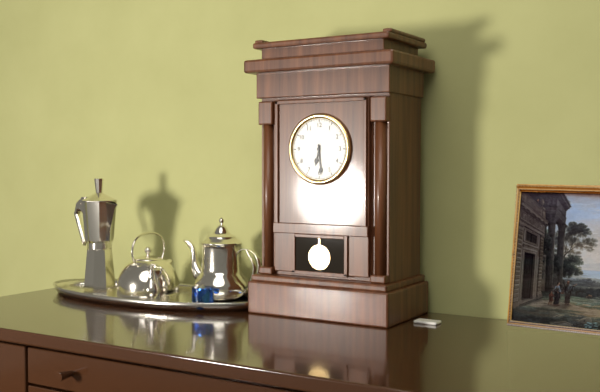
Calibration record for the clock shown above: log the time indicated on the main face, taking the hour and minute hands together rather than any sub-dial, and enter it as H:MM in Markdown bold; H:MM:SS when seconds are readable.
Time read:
**6:29**
